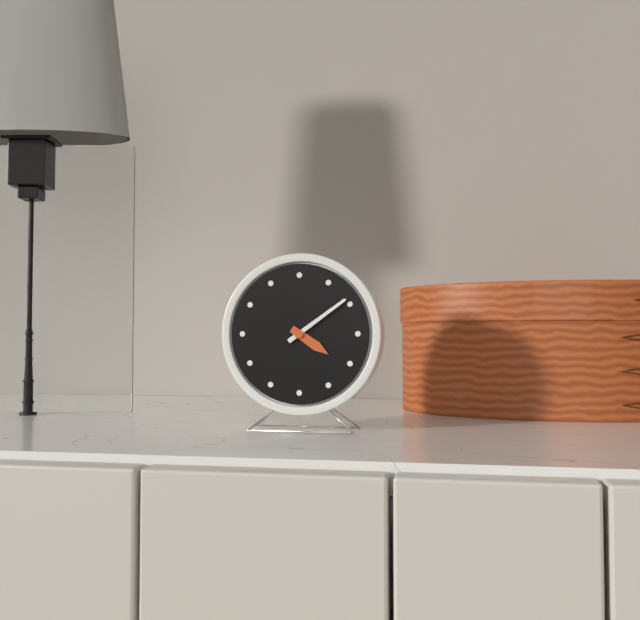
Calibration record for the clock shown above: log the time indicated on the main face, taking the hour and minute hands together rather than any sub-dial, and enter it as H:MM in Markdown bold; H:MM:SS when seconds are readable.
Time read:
**4:09**
